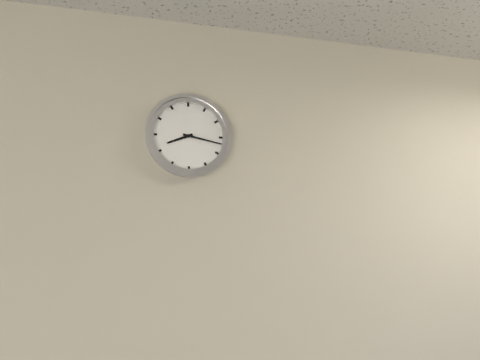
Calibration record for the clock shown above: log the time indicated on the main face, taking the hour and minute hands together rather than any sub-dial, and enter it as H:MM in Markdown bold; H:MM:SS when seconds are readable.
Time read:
**8:17**
